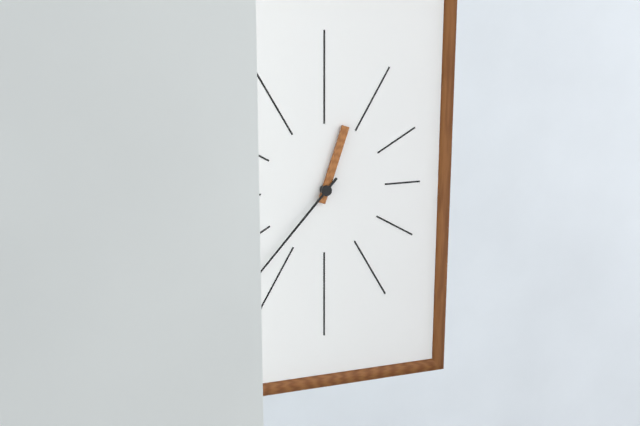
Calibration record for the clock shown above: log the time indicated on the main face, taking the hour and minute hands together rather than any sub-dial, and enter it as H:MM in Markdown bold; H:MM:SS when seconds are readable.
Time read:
**12:37**
